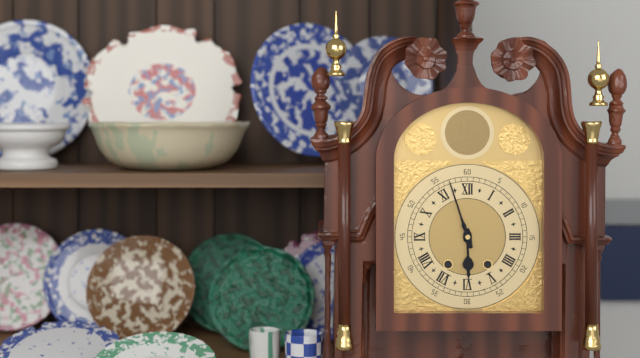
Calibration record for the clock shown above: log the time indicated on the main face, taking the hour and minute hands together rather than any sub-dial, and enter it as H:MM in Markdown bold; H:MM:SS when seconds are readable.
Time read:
**5:57**
